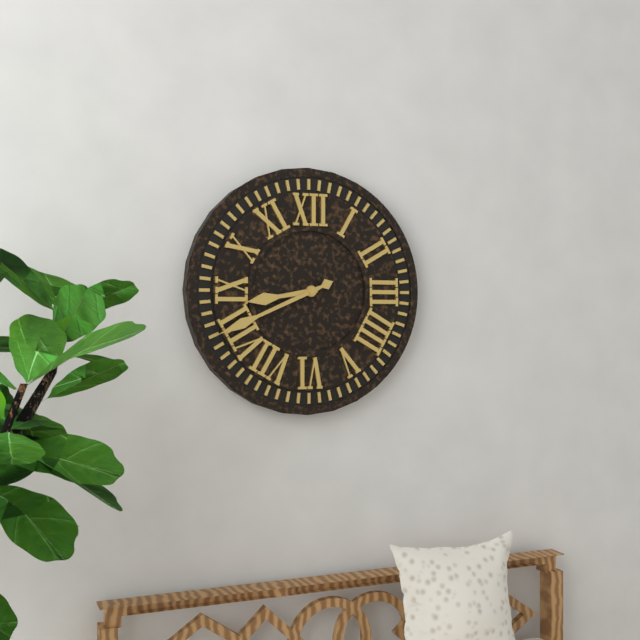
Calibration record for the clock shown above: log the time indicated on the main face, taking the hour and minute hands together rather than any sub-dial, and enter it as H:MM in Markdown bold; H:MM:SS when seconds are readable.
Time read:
**8:41**
